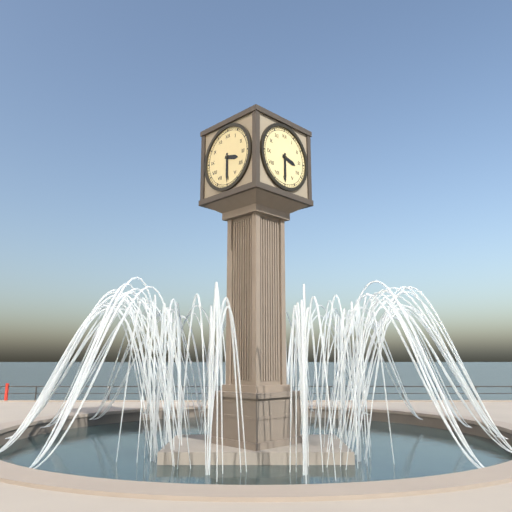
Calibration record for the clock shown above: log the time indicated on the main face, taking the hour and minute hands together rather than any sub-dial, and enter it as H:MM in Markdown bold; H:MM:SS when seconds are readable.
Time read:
**3:30**
